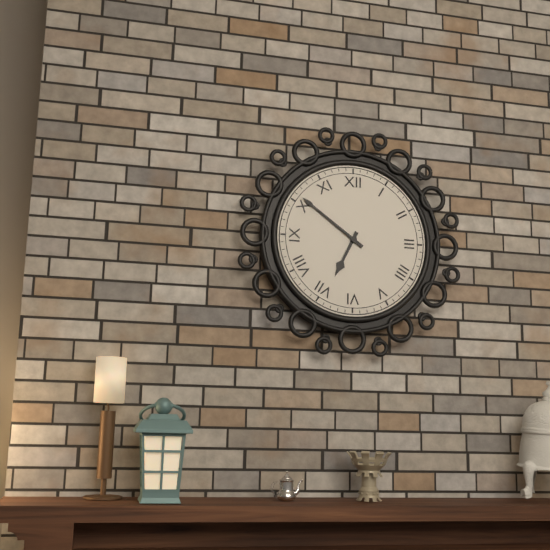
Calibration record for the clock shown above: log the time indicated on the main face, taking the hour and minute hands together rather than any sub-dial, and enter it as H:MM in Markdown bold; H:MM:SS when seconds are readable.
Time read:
**6:51**
